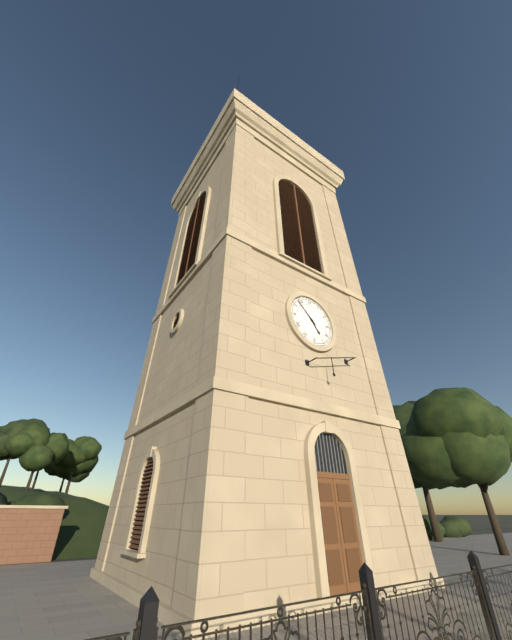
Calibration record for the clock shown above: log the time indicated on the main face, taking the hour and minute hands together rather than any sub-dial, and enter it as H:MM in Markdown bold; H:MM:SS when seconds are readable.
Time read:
**4:53**
